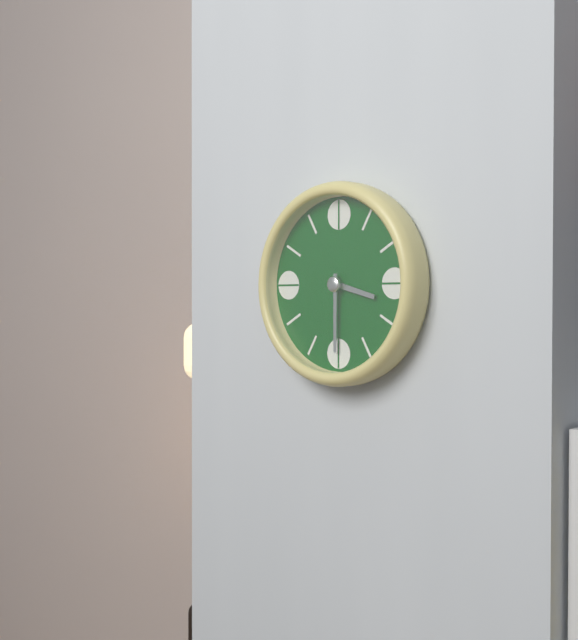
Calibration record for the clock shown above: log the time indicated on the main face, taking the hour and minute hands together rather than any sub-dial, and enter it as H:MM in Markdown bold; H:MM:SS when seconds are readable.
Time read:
**3:30**
